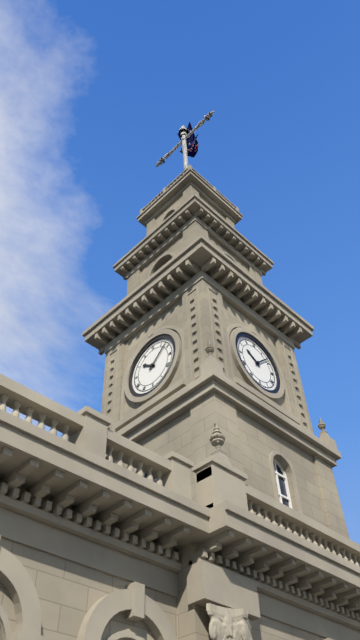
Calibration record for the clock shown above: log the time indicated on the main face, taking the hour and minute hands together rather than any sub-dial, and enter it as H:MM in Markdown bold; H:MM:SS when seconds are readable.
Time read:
**10:08**
